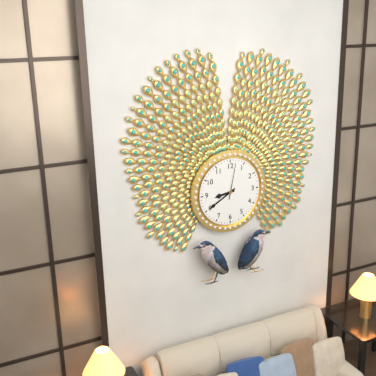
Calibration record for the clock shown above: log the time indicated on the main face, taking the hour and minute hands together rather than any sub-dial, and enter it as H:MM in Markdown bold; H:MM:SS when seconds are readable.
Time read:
**8:40**
